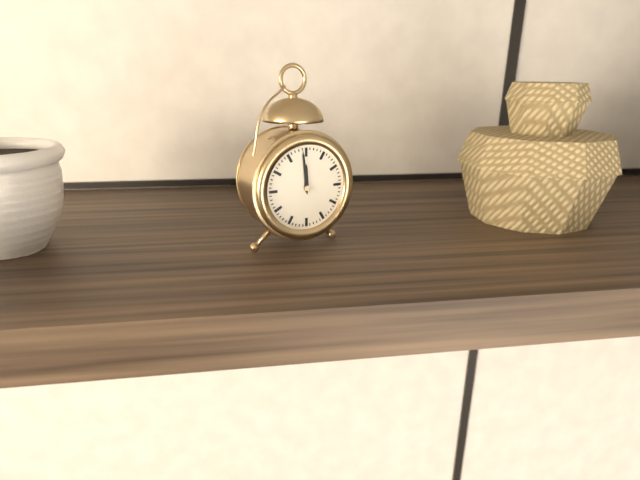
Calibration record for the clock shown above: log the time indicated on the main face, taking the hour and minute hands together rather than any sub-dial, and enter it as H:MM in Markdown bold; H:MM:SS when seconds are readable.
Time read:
**11:59**
